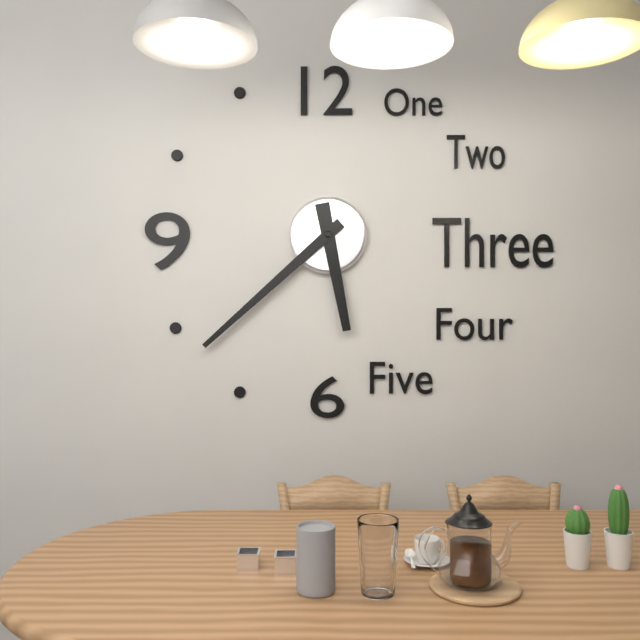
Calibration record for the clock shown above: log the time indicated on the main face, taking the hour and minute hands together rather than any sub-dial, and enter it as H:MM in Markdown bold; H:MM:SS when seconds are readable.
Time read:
**5:38**
